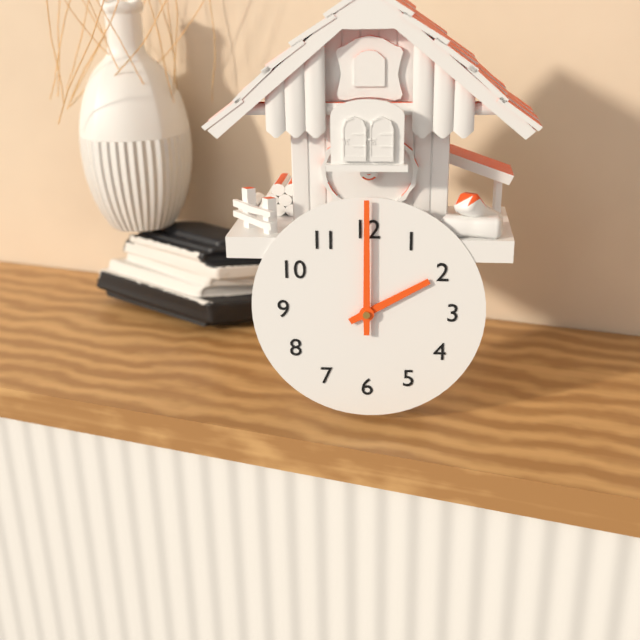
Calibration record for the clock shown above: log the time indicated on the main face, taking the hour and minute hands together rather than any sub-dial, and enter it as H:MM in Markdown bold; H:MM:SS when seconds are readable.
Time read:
**2:00**
